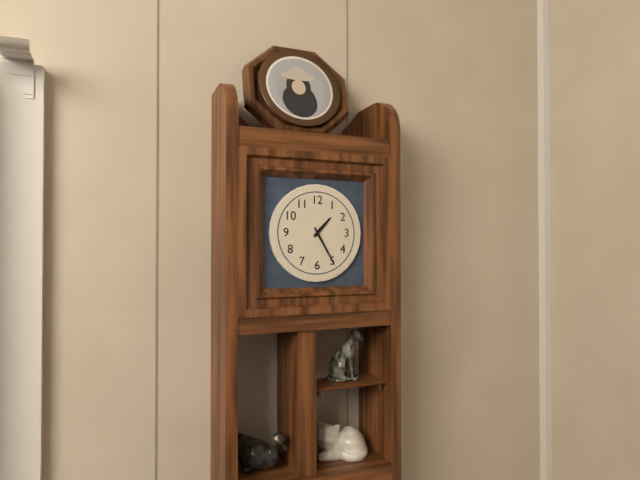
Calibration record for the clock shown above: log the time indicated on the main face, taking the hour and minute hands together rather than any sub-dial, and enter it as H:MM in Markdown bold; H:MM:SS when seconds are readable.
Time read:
**1:25**
